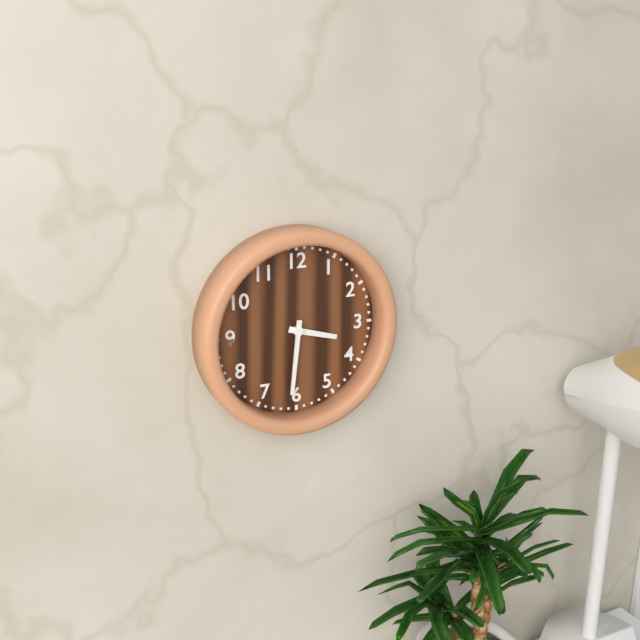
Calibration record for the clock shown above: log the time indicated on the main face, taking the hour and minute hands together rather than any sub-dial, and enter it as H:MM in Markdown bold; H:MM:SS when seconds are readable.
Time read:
**3:31**
